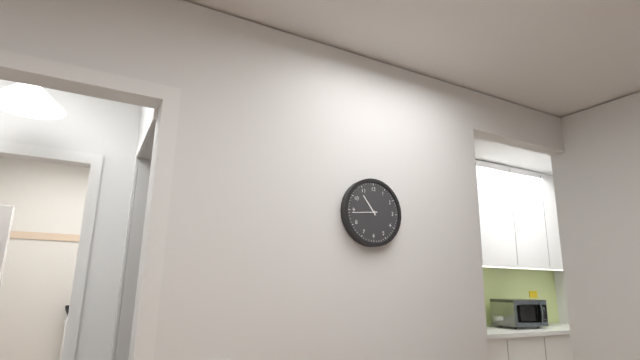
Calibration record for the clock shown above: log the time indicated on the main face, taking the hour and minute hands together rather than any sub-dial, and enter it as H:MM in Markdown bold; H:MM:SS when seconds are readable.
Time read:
**10:44**
